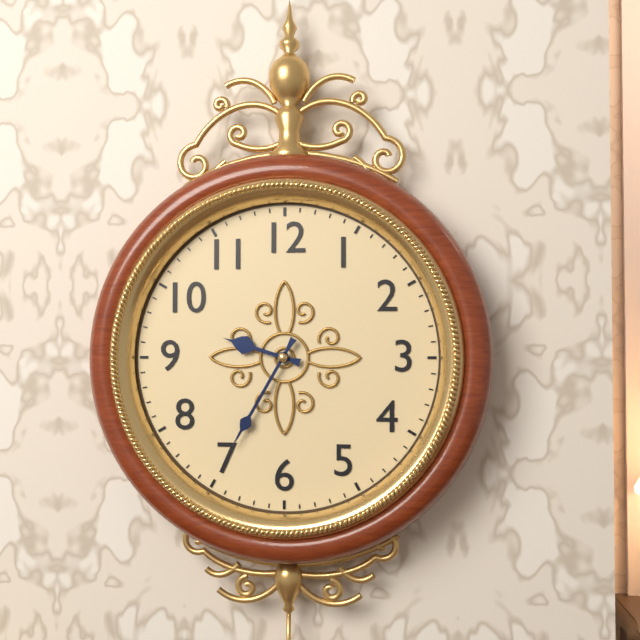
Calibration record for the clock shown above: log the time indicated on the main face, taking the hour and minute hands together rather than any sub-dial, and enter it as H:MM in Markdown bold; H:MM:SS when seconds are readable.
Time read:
**9:35**
